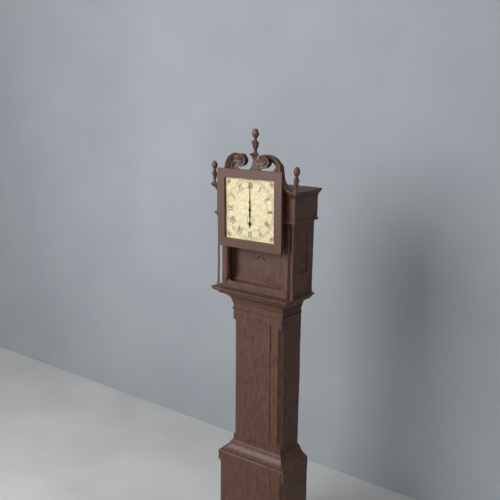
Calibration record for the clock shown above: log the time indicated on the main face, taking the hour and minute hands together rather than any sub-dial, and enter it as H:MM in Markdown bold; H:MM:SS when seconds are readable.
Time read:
**6:00**
